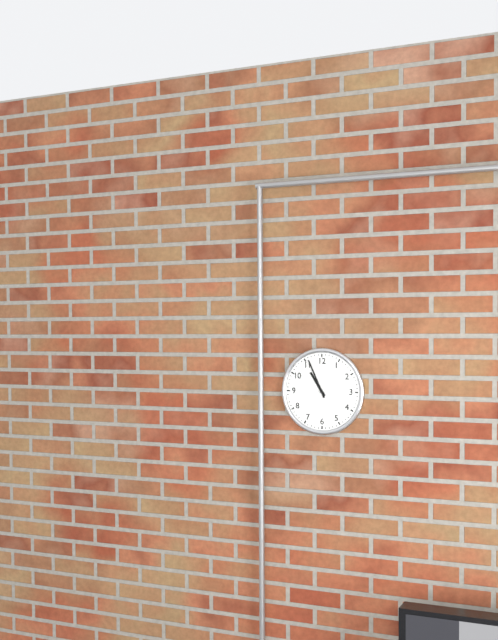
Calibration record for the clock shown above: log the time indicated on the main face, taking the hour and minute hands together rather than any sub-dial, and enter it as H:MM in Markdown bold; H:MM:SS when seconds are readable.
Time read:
**10:56**
